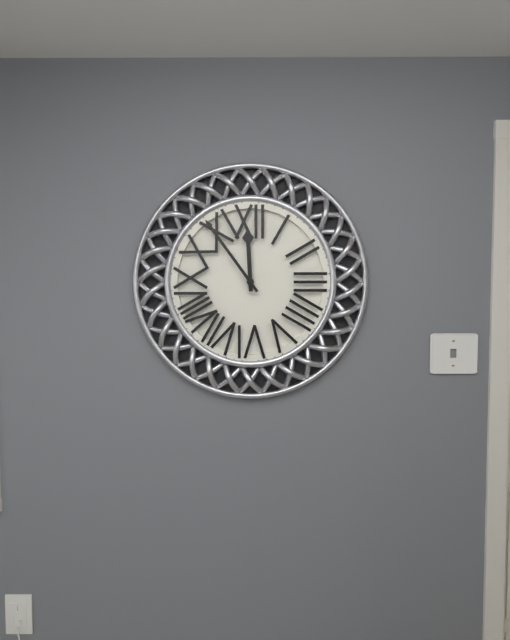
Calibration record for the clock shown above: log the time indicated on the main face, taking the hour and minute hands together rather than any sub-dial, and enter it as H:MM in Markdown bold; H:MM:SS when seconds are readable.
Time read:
**11:54**
